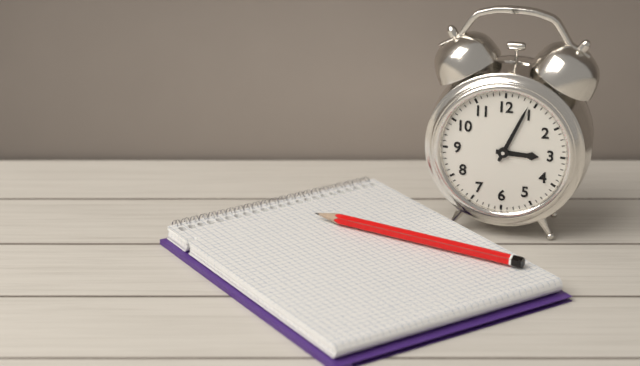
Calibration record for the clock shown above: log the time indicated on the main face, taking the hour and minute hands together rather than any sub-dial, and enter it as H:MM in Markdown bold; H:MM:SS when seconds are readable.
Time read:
**3:04**
